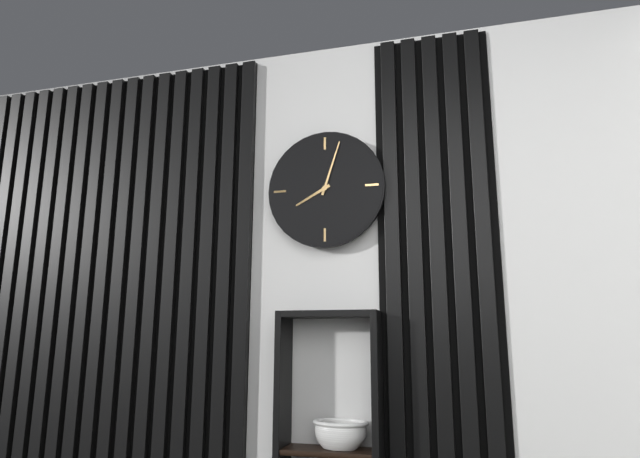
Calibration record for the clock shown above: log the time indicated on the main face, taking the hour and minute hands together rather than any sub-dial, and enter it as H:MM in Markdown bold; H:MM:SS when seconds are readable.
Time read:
**8:03**
